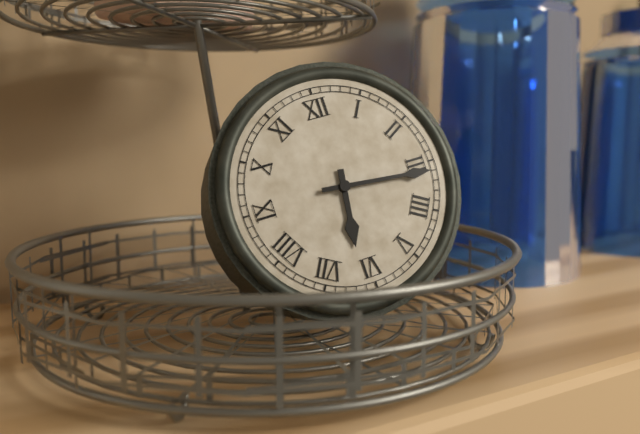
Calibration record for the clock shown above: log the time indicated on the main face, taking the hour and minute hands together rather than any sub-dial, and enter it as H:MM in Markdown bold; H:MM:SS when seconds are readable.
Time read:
**6:16**
